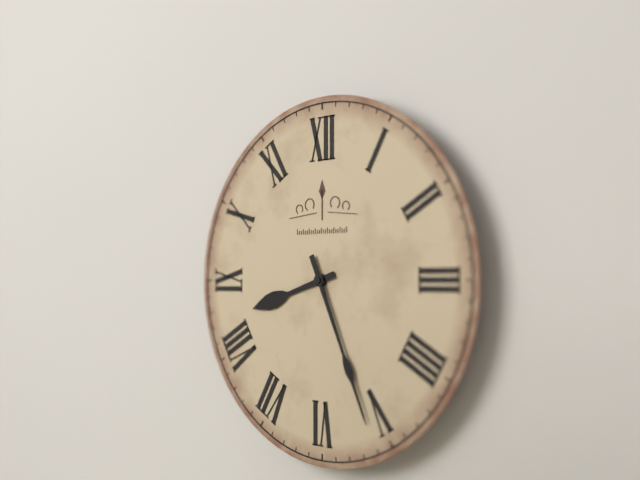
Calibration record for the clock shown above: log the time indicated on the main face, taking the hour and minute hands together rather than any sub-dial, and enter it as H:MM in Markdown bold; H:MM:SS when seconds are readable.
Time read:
**8:26**
